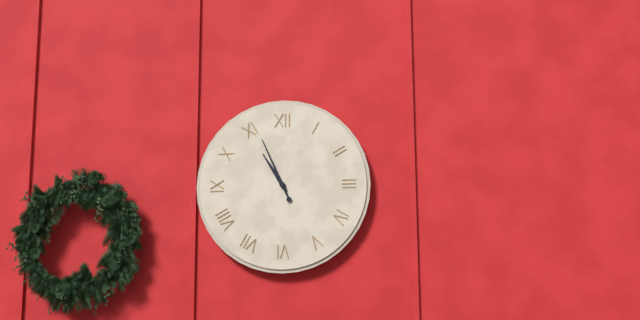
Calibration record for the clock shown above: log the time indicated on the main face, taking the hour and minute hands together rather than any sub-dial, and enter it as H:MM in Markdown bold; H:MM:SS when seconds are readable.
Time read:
**10:56**
